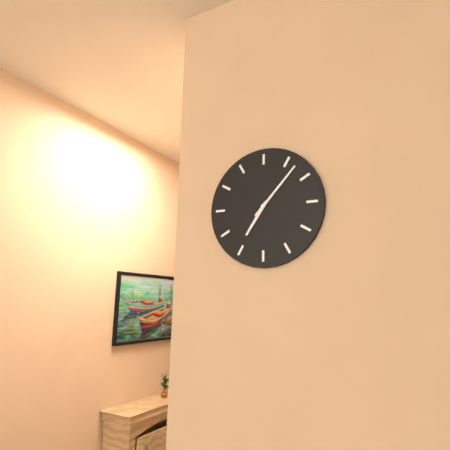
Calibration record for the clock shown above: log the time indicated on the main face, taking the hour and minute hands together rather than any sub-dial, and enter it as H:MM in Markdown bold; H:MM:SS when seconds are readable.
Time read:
**7:07**
